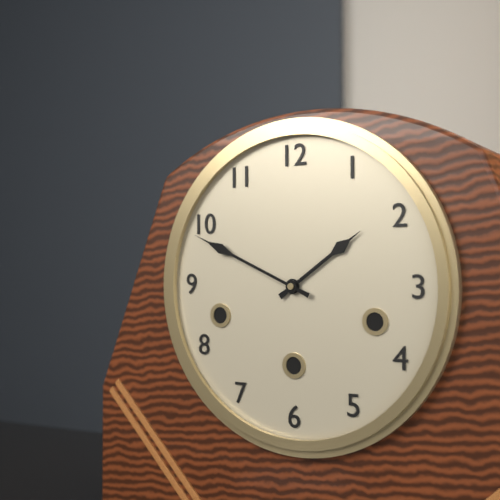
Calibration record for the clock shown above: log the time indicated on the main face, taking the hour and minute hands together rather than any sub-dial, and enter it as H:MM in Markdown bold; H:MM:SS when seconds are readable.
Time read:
**1:49**
